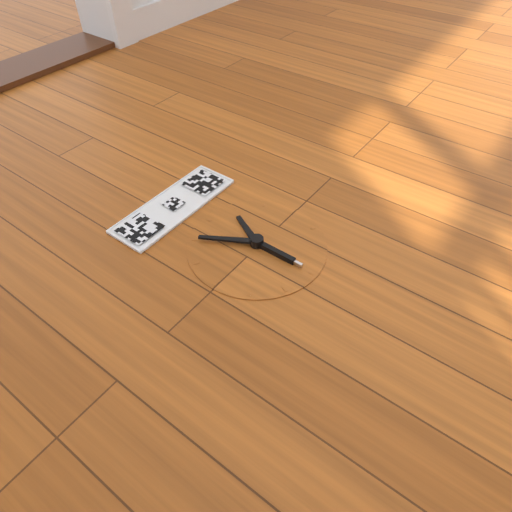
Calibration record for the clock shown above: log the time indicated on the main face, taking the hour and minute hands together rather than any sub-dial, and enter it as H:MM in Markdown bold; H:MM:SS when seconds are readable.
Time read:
**12:55**
